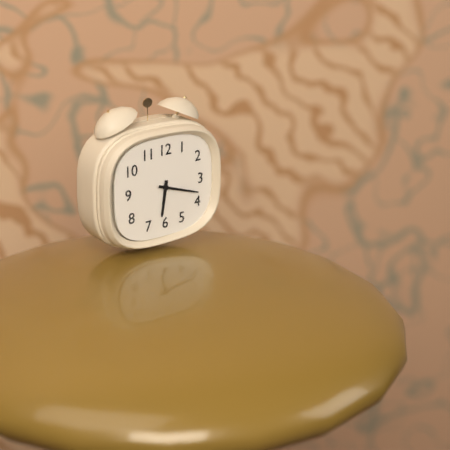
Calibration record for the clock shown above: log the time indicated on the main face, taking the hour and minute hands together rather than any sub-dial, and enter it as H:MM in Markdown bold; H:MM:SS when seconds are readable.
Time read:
**6:18**
